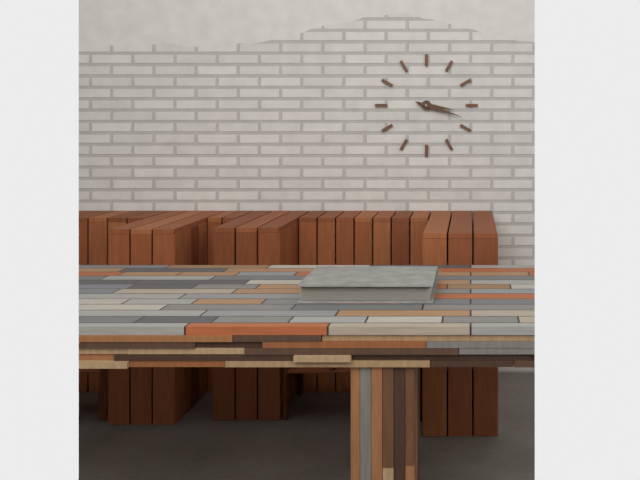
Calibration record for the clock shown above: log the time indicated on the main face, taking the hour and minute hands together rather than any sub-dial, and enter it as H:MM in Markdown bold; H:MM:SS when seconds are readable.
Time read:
**3:18**
